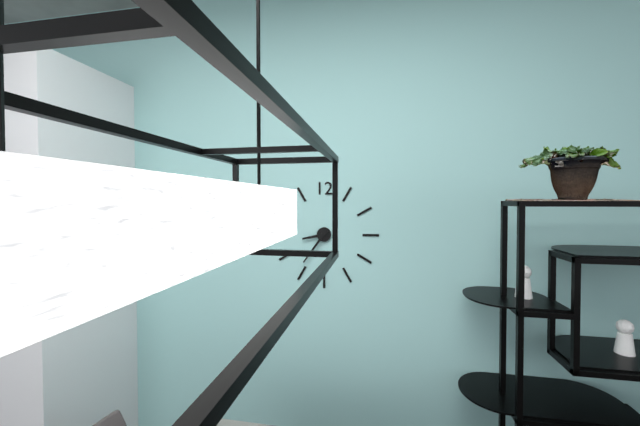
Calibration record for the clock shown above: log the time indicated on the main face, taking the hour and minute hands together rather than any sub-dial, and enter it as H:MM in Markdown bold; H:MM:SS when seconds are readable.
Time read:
**8:36**
